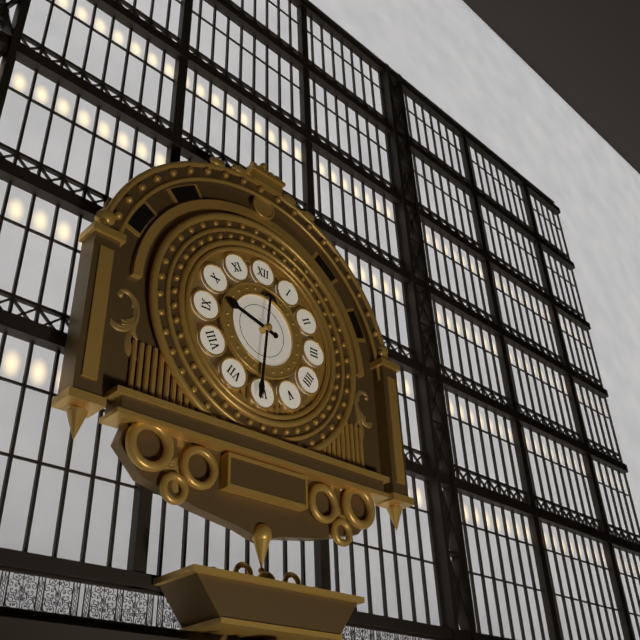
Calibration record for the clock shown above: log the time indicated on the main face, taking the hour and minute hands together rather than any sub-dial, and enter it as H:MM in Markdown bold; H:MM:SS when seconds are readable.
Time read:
**9:31**
